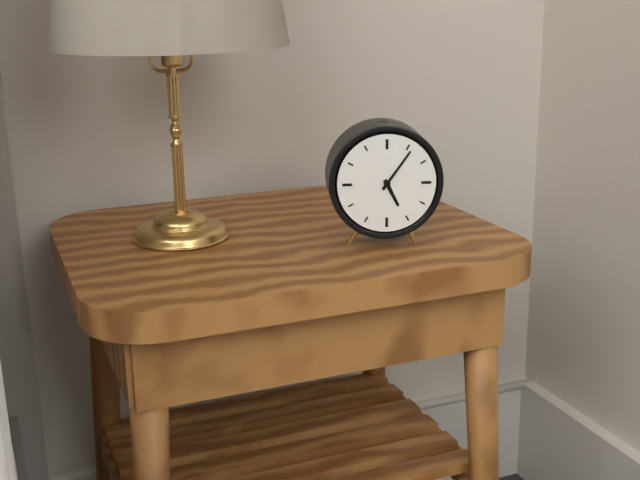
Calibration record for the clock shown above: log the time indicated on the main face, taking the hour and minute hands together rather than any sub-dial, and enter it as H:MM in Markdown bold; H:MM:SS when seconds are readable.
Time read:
**5:06**
